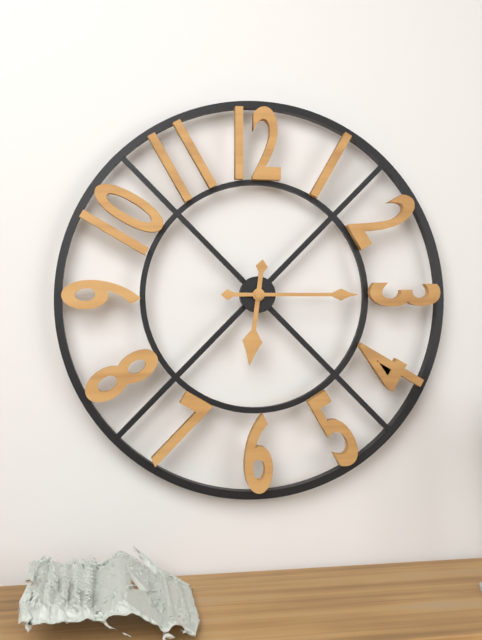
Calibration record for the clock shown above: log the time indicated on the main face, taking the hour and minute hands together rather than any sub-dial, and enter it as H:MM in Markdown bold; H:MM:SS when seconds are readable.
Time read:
**6:15**
